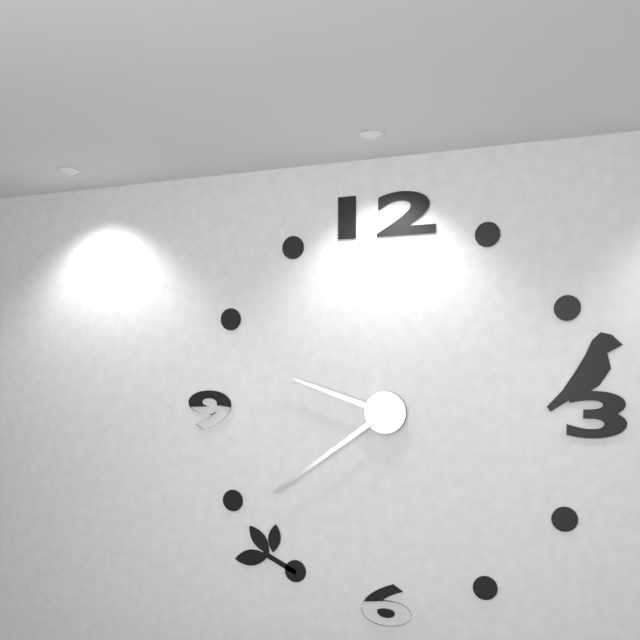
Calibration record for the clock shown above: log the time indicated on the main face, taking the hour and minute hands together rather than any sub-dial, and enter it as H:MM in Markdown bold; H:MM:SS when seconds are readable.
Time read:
**9:39**
